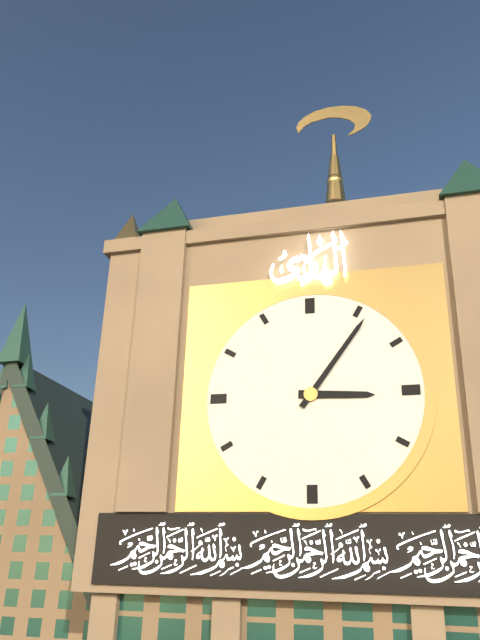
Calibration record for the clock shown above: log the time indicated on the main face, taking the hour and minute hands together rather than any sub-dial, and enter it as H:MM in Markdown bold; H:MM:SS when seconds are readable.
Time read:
**3:06**
